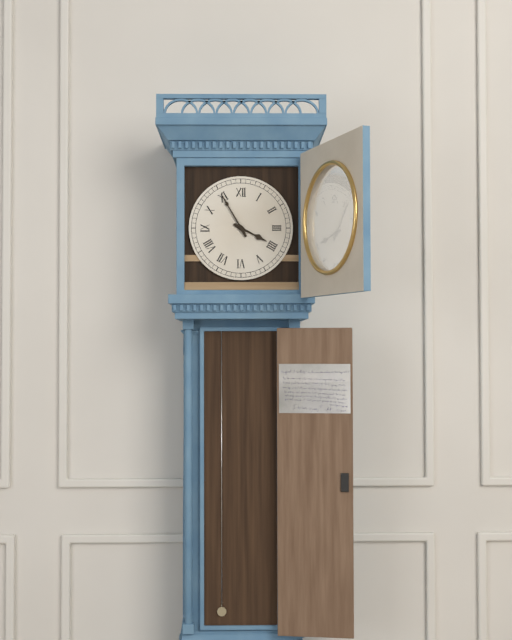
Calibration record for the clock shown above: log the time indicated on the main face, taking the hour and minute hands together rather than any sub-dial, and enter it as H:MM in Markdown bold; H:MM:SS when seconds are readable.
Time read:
**3:55**
